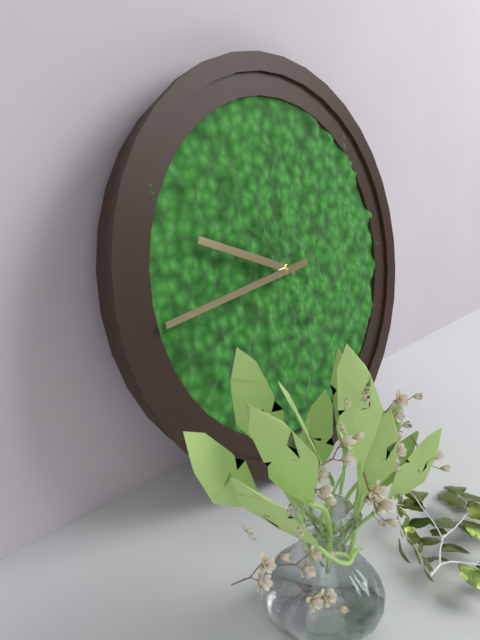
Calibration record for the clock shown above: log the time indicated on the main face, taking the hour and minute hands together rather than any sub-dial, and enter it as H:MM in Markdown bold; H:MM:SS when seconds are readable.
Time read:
**9:44**
